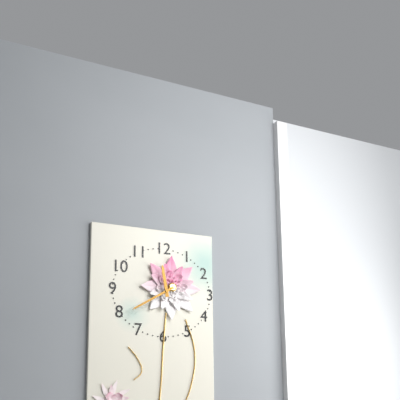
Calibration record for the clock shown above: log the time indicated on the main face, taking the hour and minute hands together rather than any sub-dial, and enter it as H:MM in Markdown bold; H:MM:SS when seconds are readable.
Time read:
**11:40**
